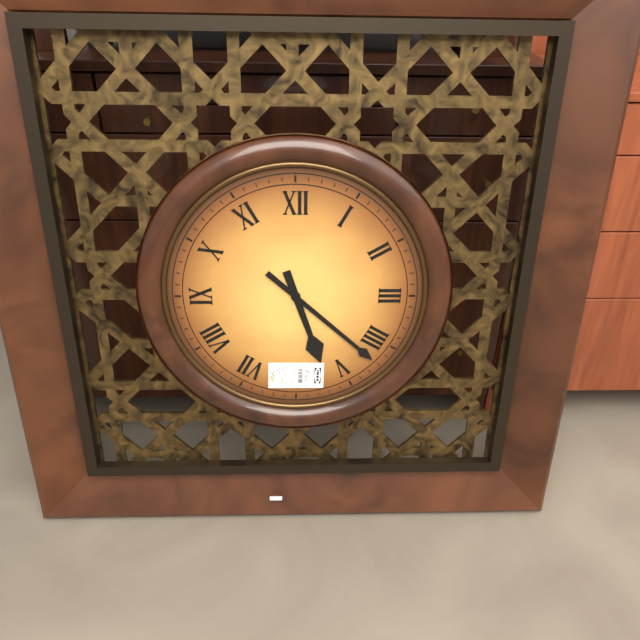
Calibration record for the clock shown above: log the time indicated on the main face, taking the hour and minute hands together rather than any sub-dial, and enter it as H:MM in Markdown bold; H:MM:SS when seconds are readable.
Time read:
**5:22**
